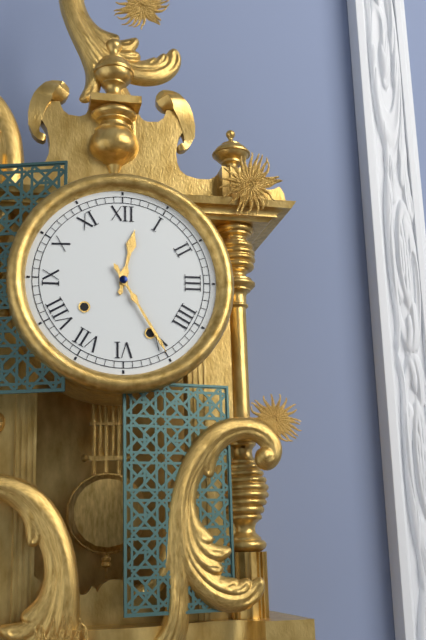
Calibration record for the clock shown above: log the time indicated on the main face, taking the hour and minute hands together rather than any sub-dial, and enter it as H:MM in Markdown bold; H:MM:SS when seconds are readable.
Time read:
**12:25**
